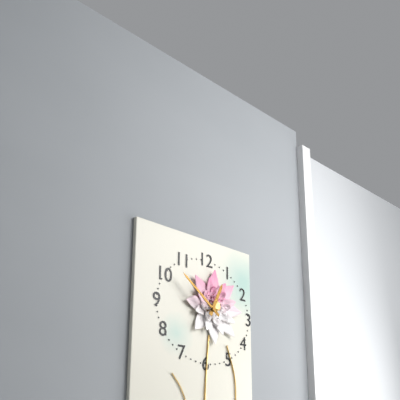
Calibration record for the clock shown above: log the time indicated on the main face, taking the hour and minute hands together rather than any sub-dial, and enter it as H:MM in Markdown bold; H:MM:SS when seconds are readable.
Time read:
**12:51**
